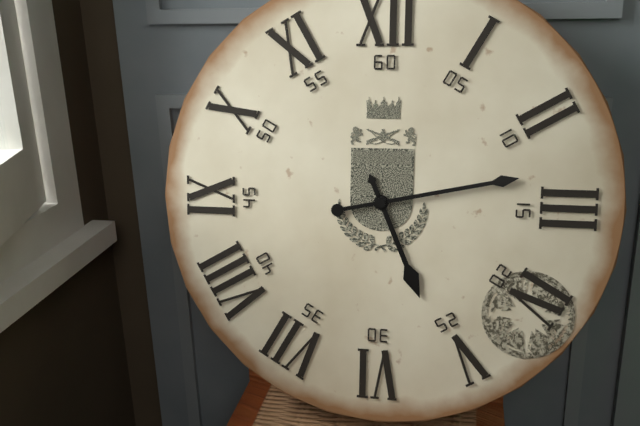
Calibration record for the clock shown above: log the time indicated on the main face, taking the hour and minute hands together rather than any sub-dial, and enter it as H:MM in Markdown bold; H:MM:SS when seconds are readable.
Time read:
**5:13**
